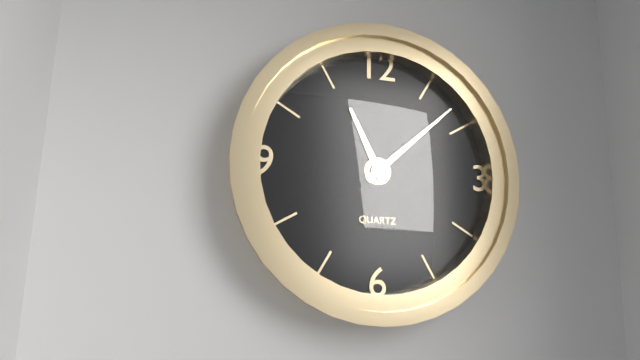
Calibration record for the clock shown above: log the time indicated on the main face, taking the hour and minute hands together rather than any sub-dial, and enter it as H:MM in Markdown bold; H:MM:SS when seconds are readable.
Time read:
**11:08**
